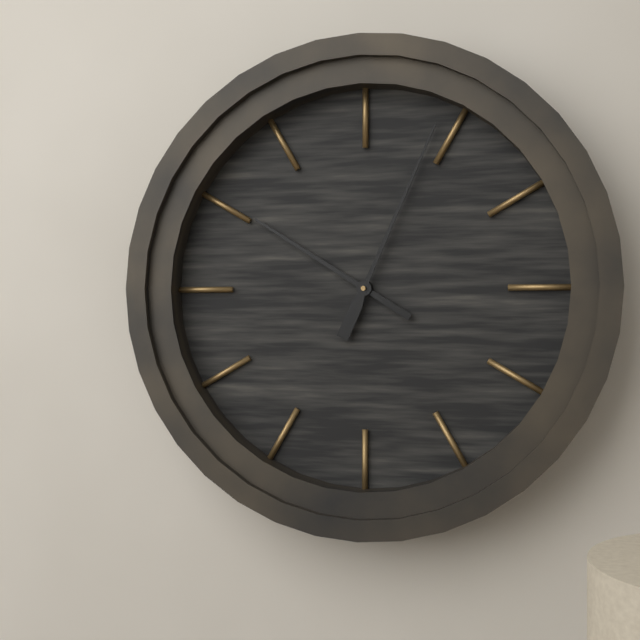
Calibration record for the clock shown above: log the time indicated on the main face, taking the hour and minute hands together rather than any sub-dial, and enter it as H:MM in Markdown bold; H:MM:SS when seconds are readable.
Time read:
**10:04**
